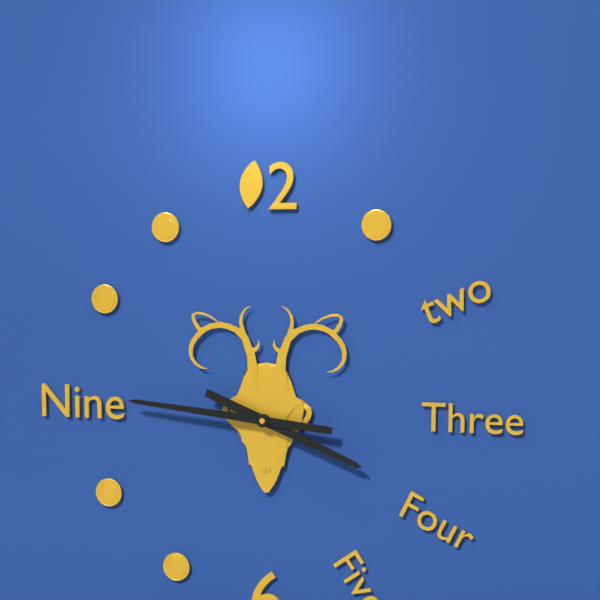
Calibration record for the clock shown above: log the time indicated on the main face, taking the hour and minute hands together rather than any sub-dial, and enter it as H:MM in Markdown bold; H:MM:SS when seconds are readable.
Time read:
**3:46**
